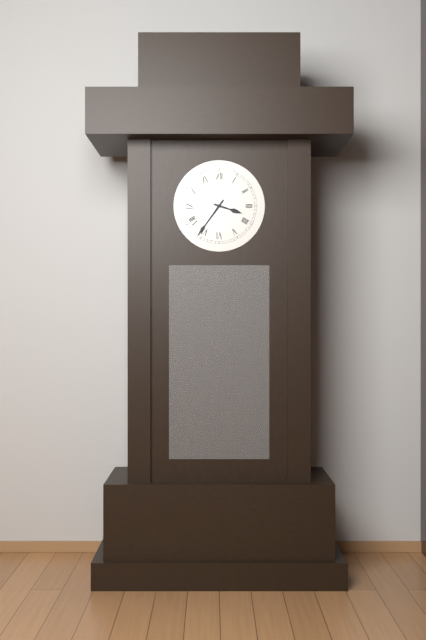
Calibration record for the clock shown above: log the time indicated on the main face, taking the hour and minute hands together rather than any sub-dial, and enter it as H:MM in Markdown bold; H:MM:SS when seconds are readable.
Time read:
**3:36**
